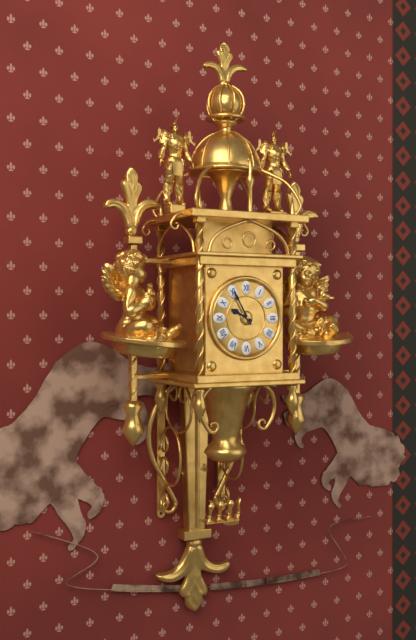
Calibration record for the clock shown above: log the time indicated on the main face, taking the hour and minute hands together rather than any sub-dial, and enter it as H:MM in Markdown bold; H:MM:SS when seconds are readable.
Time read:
**9:55**
